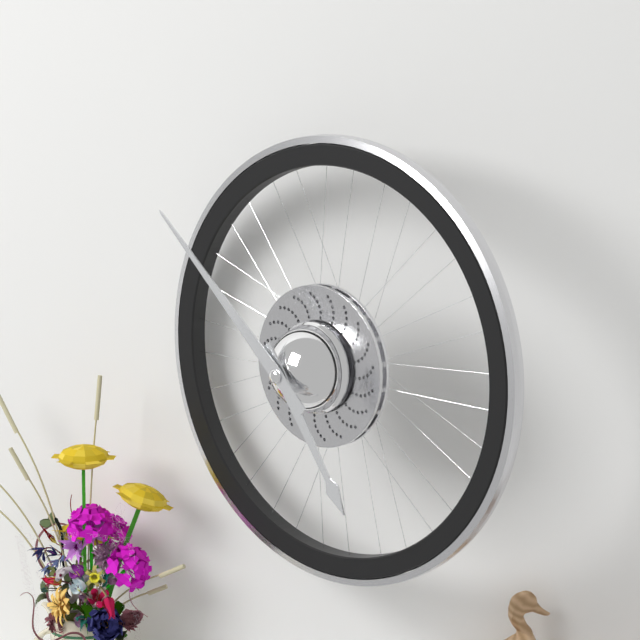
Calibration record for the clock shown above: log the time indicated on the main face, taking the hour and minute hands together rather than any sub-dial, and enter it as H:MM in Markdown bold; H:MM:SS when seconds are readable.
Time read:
**4:52**
